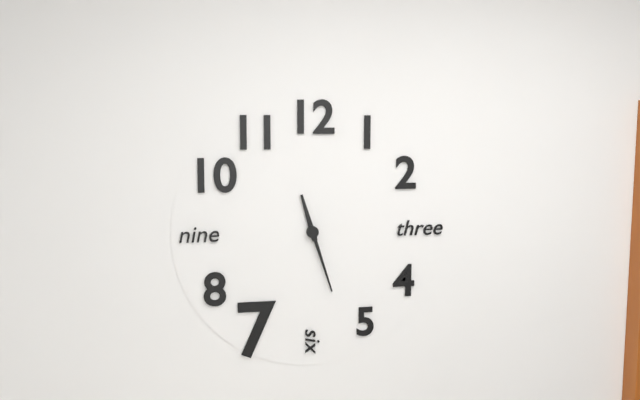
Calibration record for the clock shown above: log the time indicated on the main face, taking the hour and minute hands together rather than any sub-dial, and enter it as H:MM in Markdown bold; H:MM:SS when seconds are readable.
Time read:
**11:27**
